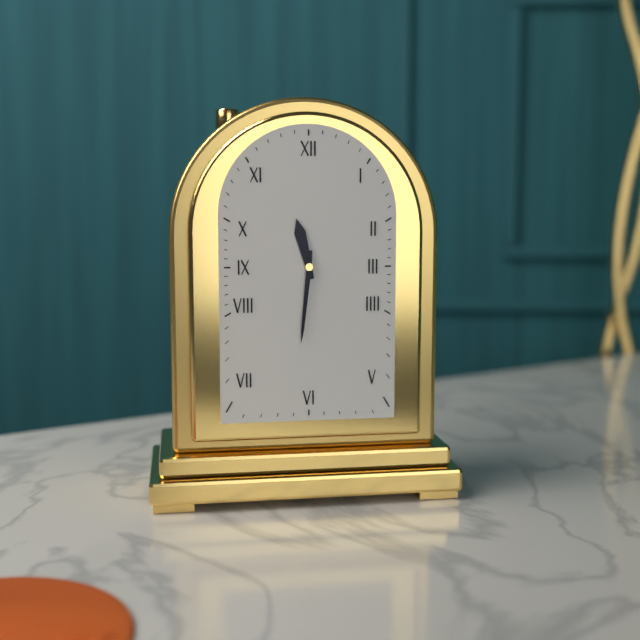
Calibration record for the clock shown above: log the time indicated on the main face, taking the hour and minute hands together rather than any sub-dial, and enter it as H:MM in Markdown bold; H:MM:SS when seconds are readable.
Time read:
**11:31**
